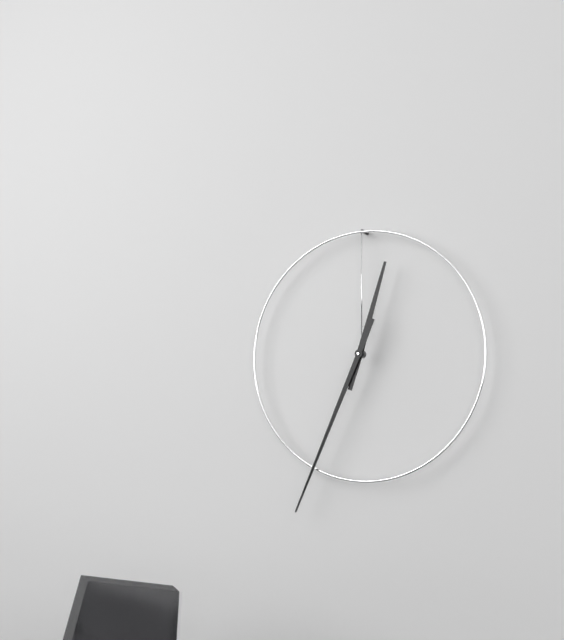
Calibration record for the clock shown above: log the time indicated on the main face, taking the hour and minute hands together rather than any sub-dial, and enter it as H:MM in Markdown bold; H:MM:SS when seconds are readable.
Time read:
**12:34**
